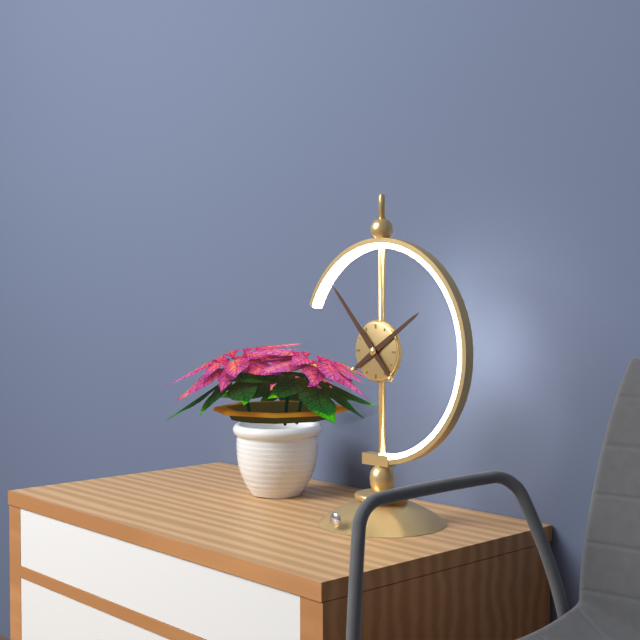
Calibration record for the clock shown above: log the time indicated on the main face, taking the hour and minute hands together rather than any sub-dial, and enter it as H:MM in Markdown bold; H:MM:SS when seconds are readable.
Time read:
**1:53**
